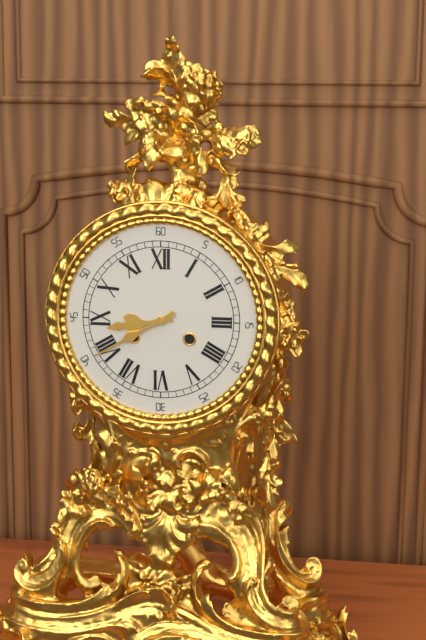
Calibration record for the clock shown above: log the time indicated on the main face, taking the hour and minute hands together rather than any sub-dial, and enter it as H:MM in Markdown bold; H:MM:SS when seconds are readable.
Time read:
**8:40**
